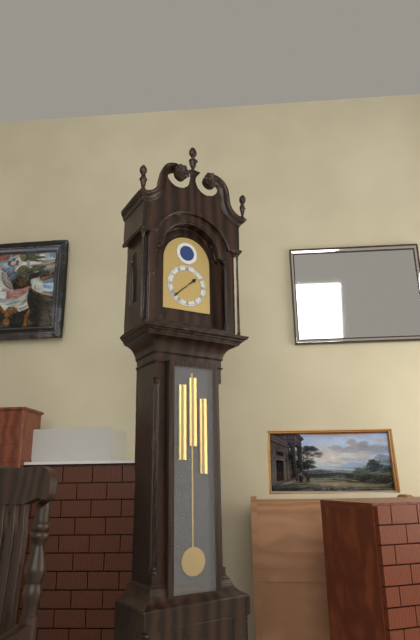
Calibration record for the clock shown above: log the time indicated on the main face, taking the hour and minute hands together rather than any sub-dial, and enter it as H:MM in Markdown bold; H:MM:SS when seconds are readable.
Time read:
**1:38**
